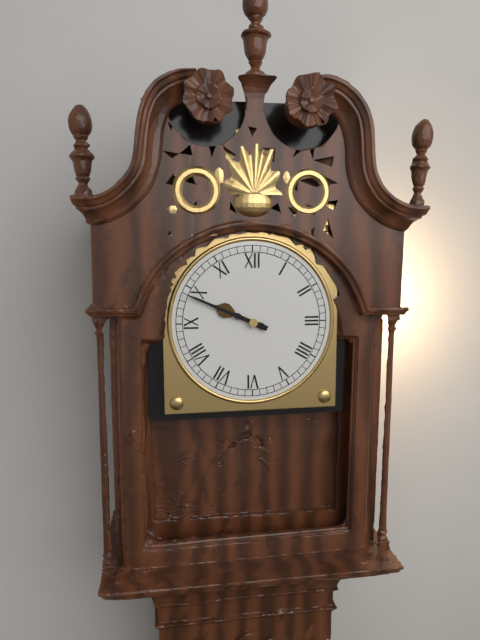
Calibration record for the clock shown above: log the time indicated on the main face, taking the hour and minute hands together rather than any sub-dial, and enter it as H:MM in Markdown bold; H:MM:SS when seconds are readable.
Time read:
**9:49**
